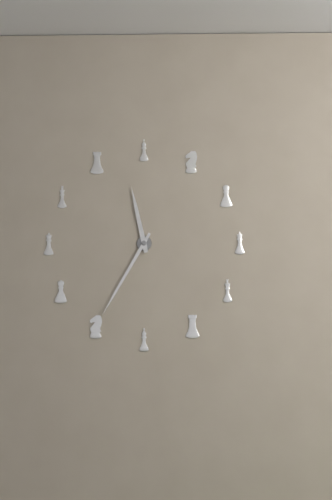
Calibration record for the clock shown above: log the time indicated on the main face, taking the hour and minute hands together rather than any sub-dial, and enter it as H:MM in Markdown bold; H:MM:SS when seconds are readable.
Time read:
**11:35**
